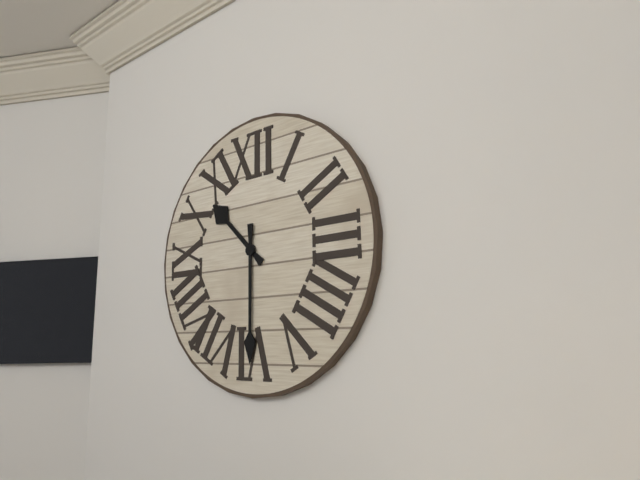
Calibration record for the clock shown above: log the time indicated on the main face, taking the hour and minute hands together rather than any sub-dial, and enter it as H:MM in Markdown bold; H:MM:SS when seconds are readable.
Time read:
**10:30**
